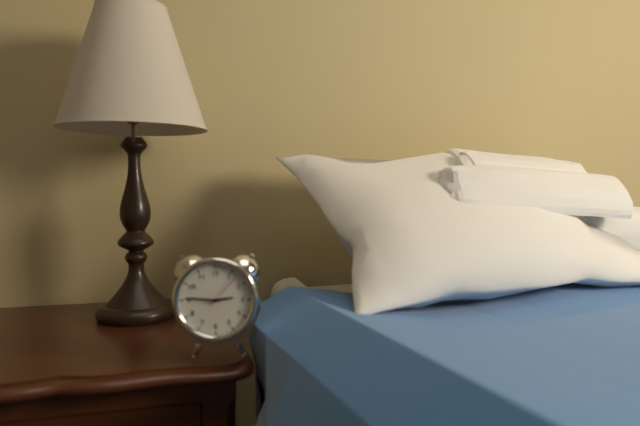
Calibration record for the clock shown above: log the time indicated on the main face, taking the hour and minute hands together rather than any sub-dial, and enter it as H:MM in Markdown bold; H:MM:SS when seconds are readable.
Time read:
**2:46**
